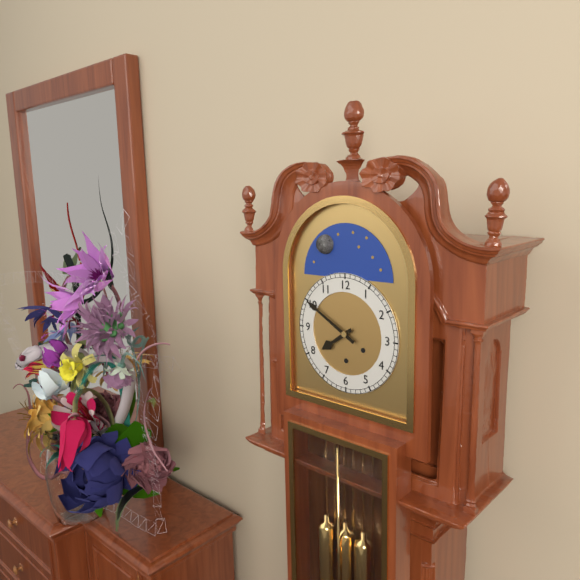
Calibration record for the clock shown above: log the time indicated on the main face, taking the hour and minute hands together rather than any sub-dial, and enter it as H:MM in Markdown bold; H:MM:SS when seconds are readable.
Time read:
**7:50**
